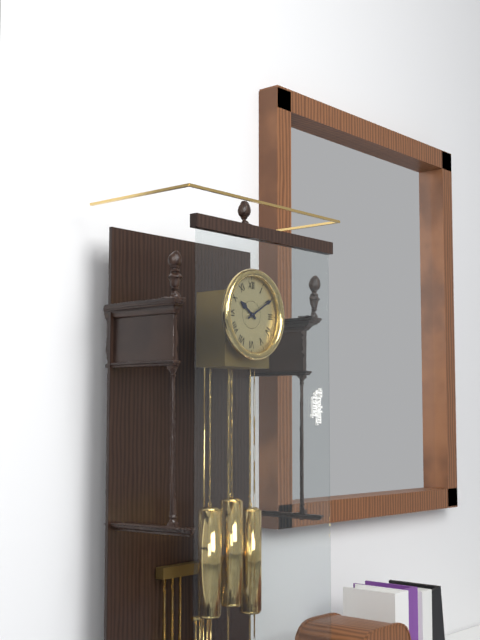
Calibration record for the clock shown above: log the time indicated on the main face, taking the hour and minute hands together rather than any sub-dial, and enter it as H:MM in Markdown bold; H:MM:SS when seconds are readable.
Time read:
**10:10**
